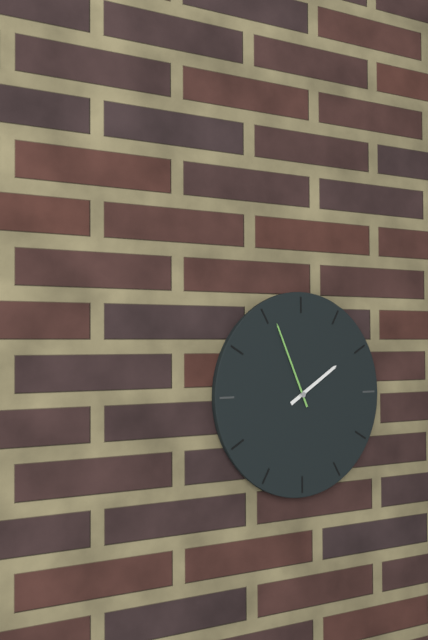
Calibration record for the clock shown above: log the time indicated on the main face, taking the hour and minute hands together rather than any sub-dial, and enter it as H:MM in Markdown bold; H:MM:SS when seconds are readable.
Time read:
**1:56**
